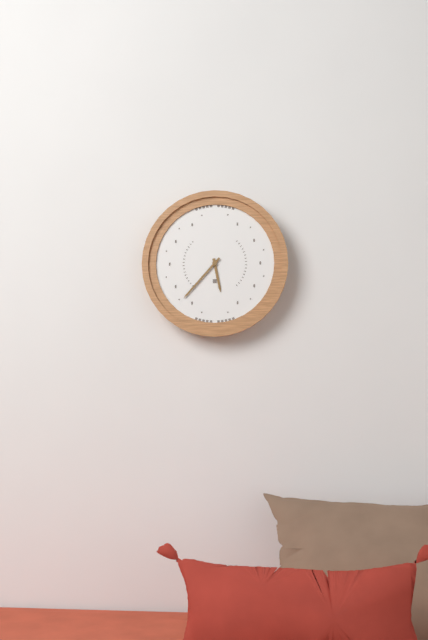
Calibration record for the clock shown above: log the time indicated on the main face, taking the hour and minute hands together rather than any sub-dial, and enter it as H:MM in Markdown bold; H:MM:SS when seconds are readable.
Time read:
**5:37**
